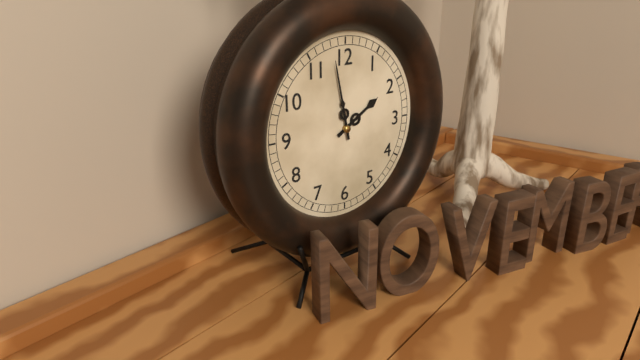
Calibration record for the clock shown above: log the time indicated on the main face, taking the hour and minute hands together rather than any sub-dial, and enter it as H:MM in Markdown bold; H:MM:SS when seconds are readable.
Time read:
**1:58**
